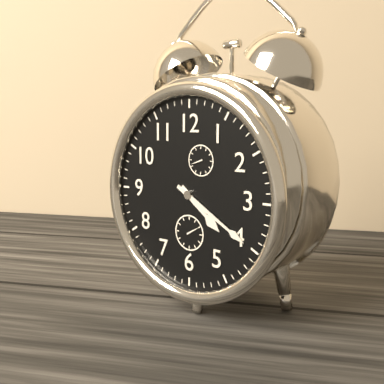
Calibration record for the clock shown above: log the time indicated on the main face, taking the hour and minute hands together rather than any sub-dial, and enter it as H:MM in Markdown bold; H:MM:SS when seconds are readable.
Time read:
**4:20**
